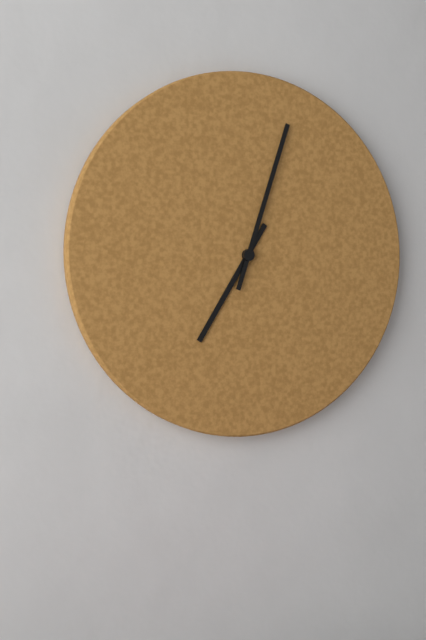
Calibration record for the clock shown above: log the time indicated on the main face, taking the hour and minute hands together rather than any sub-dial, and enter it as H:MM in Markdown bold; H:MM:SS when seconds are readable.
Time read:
**7:03**
